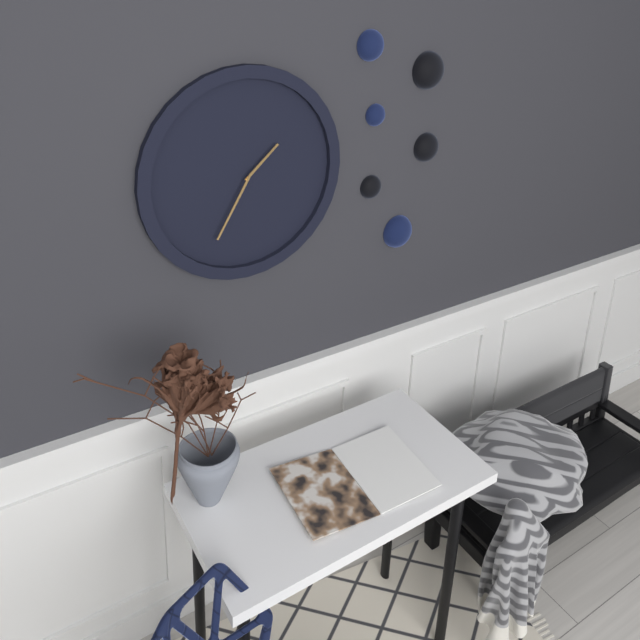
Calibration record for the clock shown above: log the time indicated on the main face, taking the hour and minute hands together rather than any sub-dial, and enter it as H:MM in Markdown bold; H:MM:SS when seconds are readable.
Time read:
**1:35**
